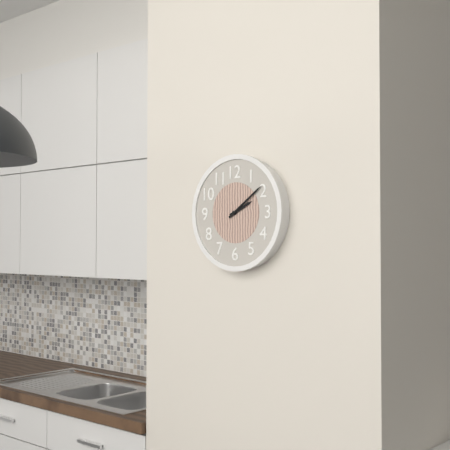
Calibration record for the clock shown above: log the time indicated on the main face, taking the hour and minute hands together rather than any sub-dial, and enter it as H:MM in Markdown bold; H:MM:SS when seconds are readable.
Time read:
**2:09**
